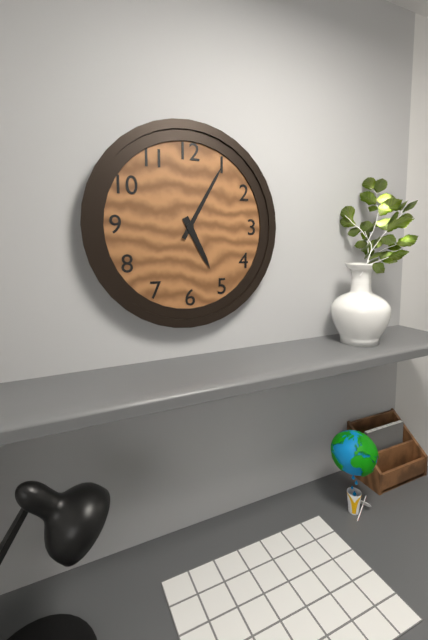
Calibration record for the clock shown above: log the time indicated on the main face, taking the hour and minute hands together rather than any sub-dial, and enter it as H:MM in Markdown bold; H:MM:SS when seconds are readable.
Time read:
**5:05**
